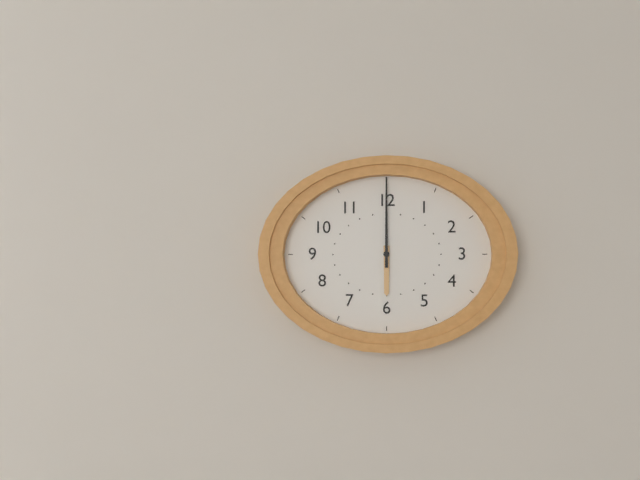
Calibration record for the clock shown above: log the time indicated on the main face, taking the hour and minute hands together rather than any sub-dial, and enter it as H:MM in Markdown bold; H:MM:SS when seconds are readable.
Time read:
**6:00**
